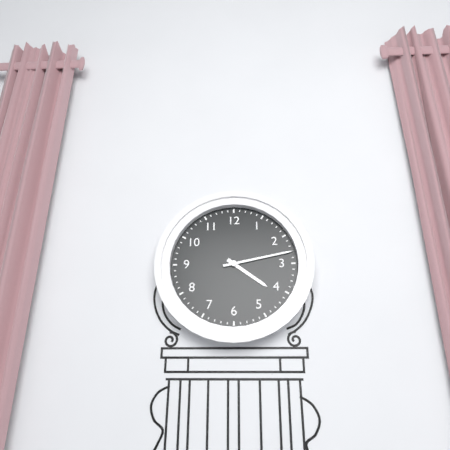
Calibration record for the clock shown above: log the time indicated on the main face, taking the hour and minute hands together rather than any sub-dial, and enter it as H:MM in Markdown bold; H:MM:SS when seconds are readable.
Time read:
**4:13**
